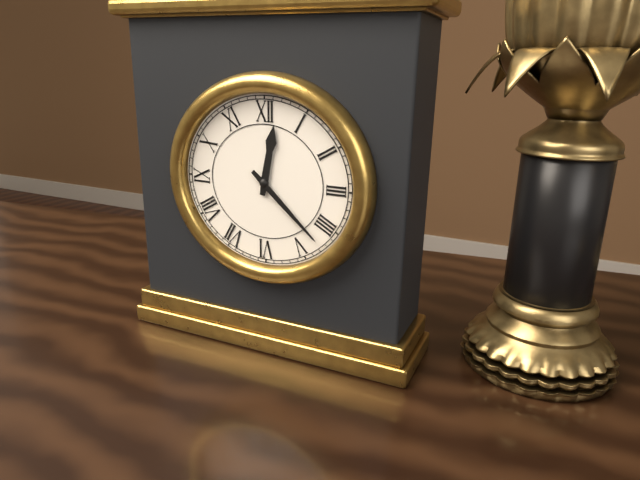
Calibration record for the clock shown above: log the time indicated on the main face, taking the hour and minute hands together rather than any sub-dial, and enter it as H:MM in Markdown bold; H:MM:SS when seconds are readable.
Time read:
**12:22**
